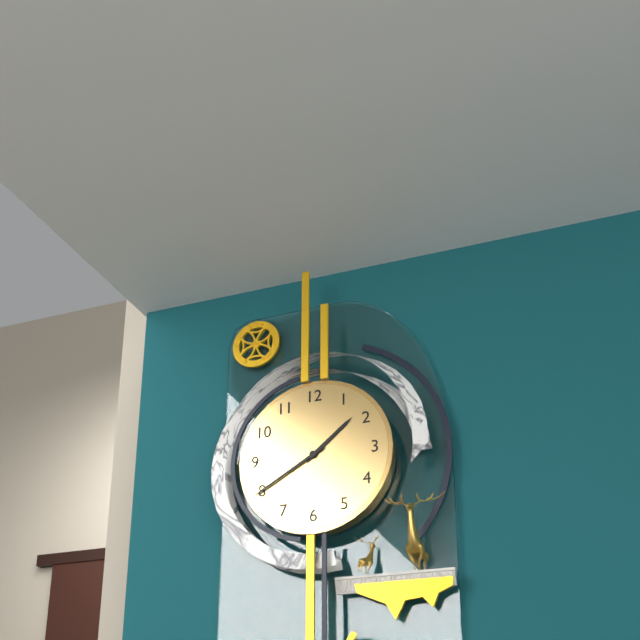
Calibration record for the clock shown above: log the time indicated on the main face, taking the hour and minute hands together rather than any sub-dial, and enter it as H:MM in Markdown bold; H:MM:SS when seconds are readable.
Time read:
**1:40**
